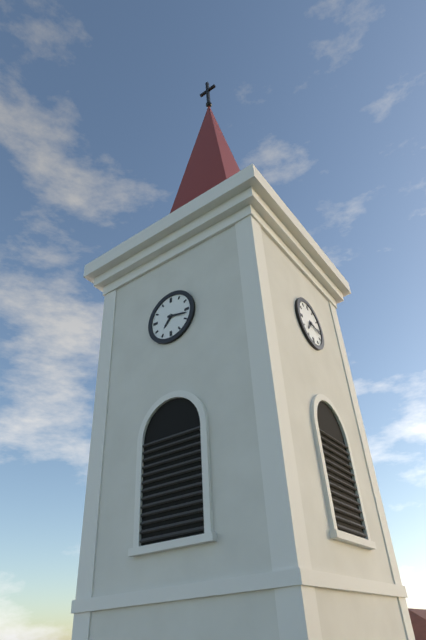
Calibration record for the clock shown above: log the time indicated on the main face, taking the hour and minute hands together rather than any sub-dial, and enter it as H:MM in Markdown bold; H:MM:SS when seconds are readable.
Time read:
**7:17**
